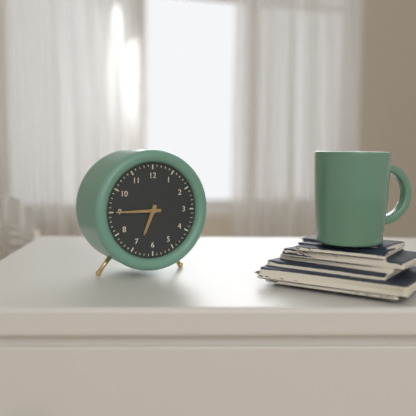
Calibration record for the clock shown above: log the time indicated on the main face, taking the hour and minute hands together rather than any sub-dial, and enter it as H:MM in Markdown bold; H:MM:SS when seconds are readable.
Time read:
**6:45**
